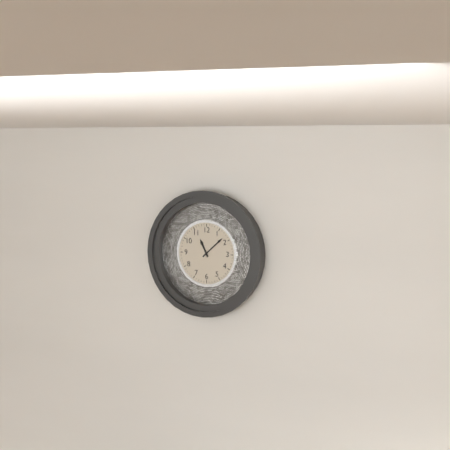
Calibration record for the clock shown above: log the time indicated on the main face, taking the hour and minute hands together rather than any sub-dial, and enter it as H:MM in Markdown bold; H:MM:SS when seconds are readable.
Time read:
**11:08**
